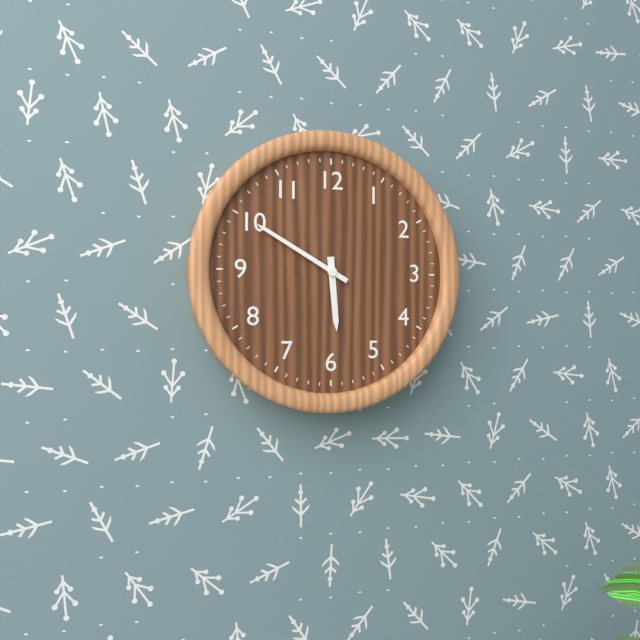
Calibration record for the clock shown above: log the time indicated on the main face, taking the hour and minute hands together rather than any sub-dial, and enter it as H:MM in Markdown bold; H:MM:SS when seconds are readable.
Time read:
**5:50**
